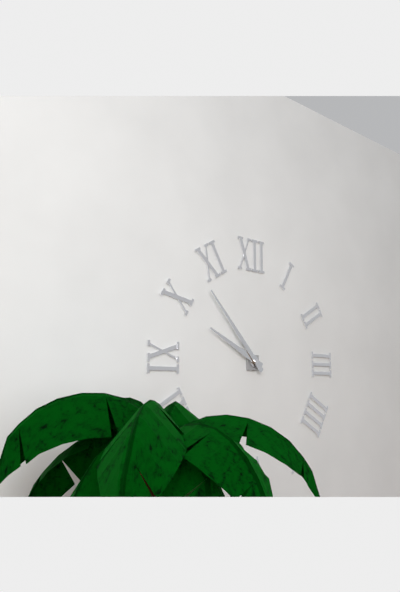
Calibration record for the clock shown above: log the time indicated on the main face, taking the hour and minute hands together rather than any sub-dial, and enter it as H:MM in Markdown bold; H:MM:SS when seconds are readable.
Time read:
**9:53**
